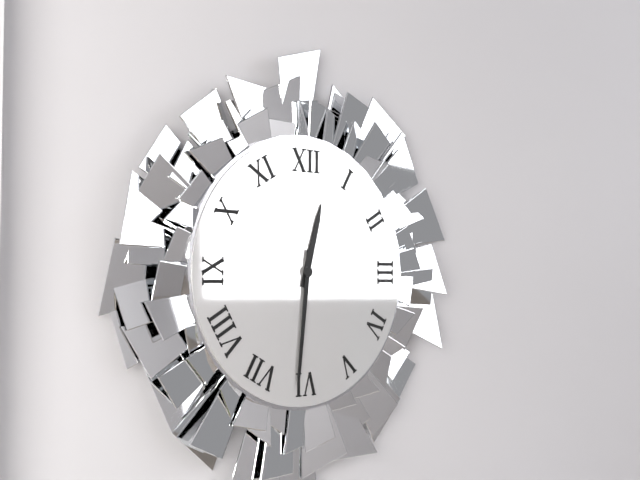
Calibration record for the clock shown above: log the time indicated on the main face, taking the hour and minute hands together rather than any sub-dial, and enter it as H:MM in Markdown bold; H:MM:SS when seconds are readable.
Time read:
**12:31**
